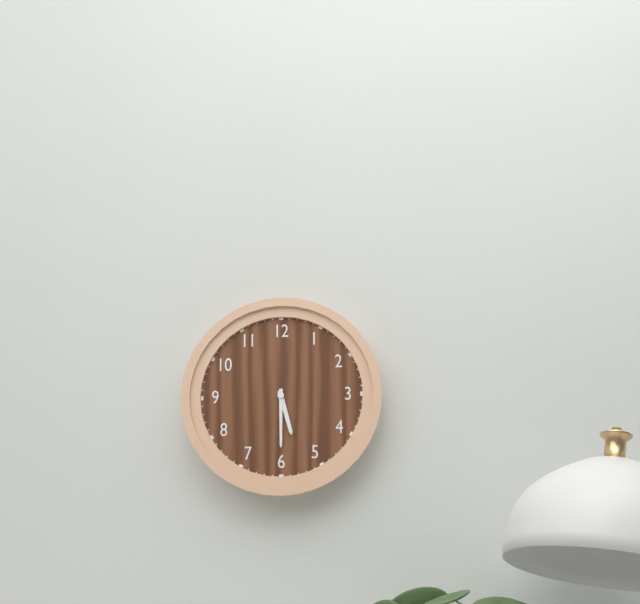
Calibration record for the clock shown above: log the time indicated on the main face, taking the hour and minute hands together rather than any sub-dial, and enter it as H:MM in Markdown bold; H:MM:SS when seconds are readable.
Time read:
**5:30**
